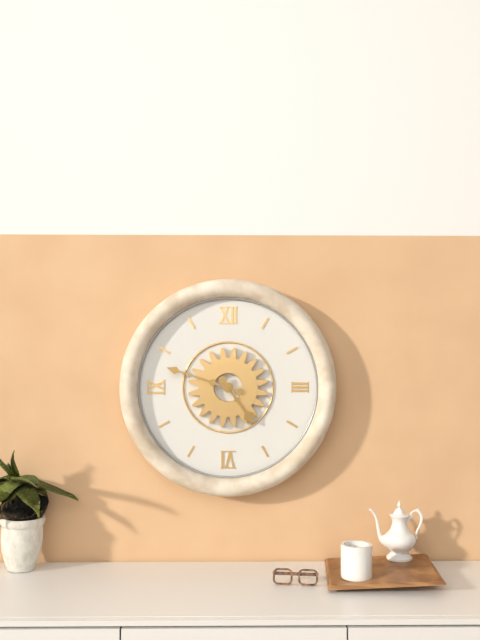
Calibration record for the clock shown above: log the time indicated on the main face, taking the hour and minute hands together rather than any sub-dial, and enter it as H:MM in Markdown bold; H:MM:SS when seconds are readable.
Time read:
**4:48**
